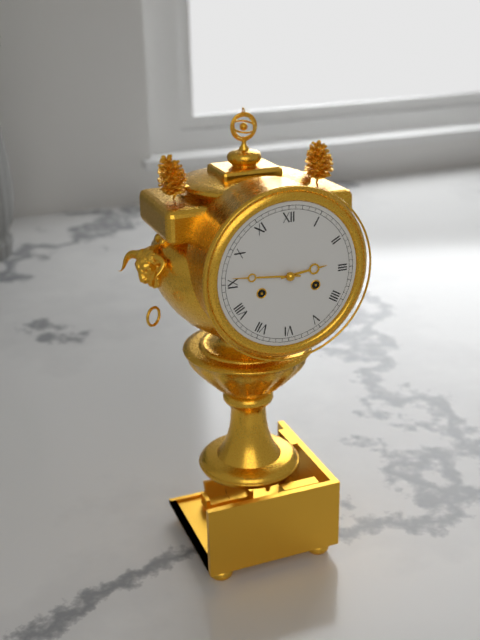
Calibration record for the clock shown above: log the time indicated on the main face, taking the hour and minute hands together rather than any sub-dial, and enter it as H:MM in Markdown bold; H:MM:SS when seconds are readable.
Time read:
**2:46**
